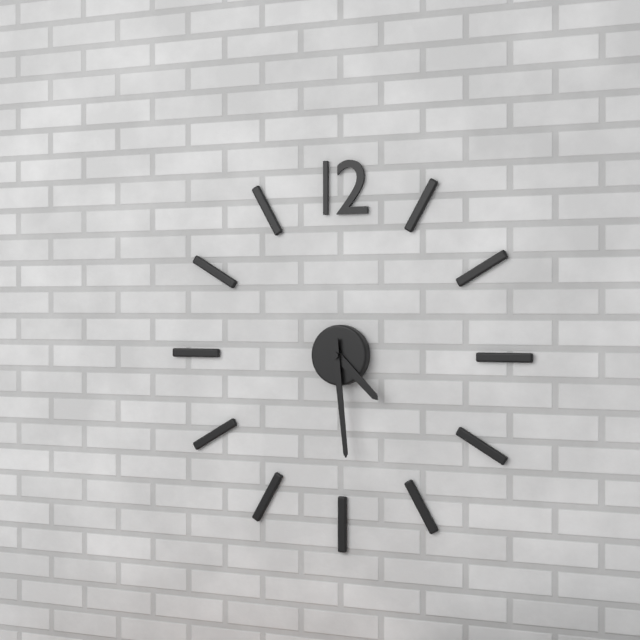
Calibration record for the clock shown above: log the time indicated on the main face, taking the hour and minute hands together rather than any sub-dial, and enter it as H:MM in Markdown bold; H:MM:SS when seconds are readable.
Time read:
**4:29**
